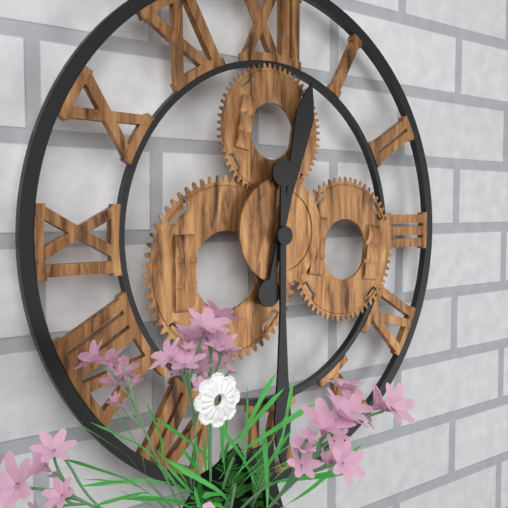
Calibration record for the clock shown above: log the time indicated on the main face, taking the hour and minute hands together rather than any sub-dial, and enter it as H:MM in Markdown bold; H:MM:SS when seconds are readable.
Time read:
**12:30**
